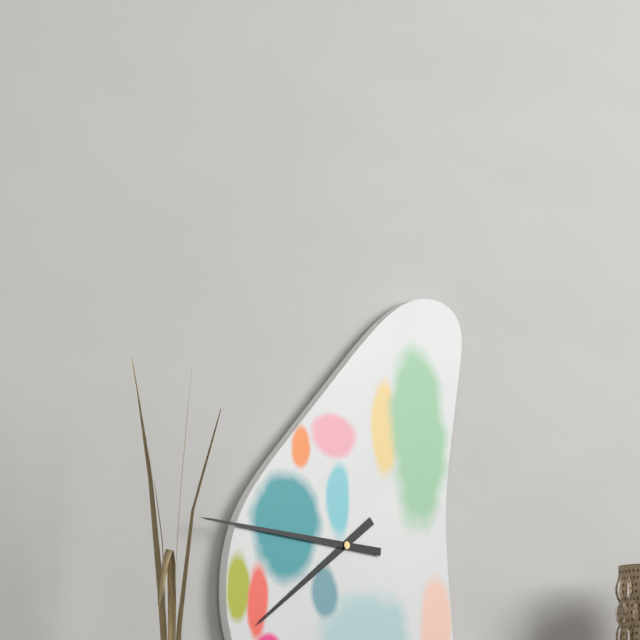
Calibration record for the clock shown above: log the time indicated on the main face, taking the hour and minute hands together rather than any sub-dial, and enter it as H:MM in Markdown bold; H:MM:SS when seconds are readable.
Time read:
**7:46**
